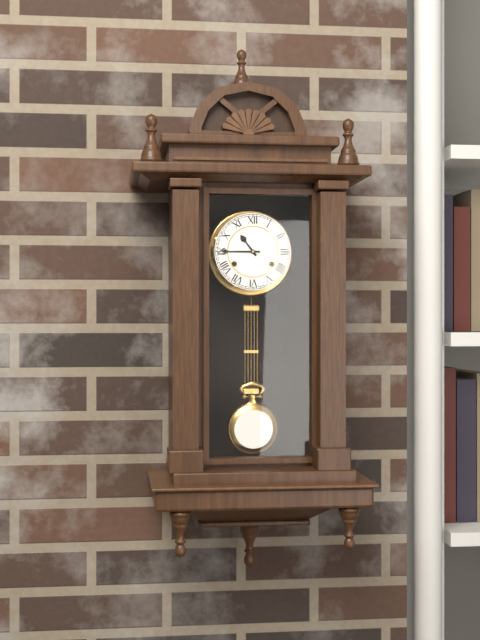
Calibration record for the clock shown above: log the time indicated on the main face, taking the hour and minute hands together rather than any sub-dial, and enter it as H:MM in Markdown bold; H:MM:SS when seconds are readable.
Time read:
**10:45**
